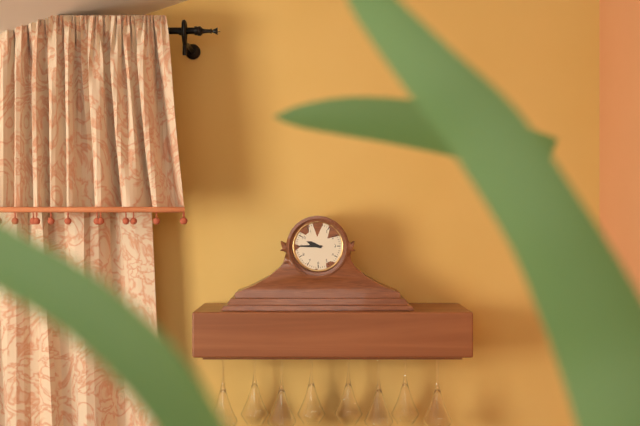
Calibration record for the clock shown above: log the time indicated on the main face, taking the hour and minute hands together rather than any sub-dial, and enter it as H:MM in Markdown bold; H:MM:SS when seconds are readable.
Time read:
**9:45**
